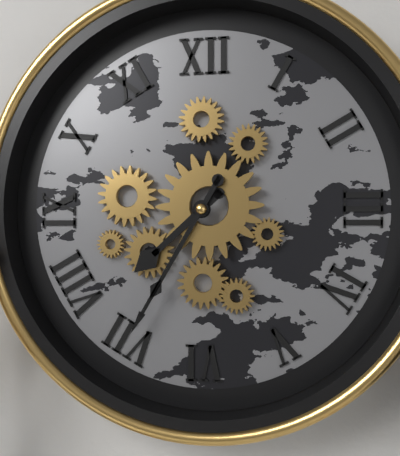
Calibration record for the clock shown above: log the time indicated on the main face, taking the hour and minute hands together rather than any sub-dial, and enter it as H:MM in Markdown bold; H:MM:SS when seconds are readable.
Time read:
**7:35**
